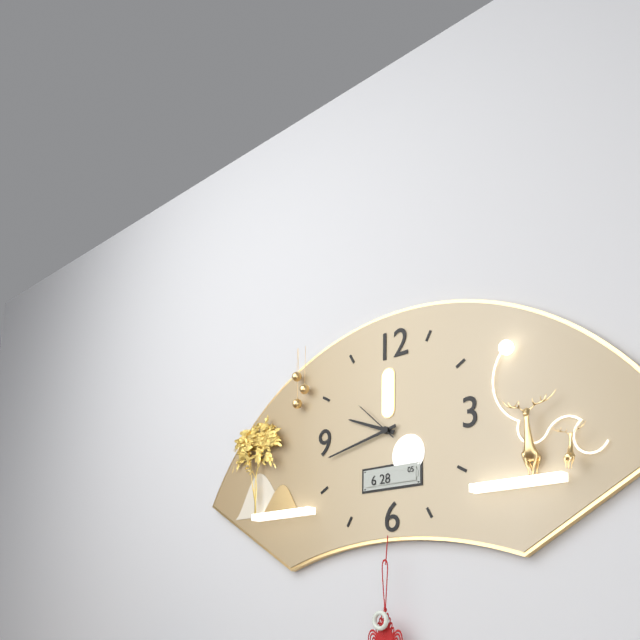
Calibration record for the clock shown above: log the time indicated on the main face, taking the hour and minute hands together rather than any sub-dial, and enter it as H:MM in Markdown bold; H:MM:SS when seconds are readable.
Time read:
**9:43**
